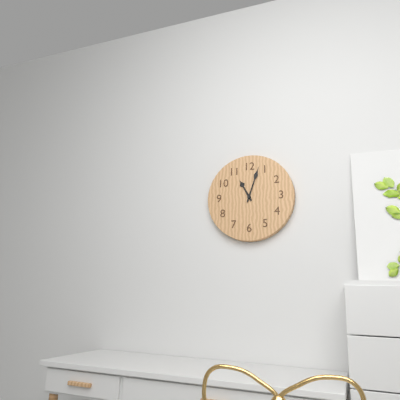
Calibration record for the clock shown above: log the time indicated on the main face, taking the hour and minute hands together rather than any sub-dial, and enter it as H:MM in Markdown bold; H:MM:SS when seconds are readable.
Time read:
**11:03**
